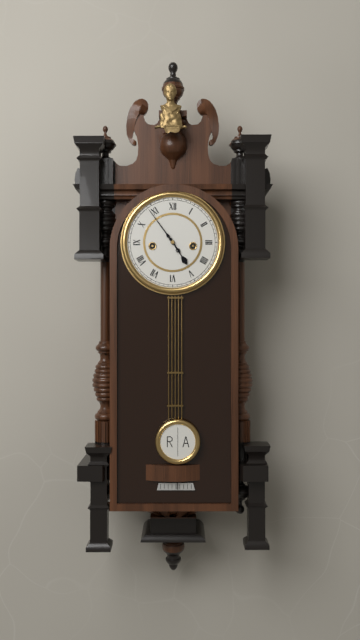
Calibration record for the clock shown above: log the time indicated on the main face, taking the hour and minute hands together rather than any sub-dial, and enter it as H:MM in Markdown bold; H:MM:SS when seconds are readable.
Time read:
**4:54**
